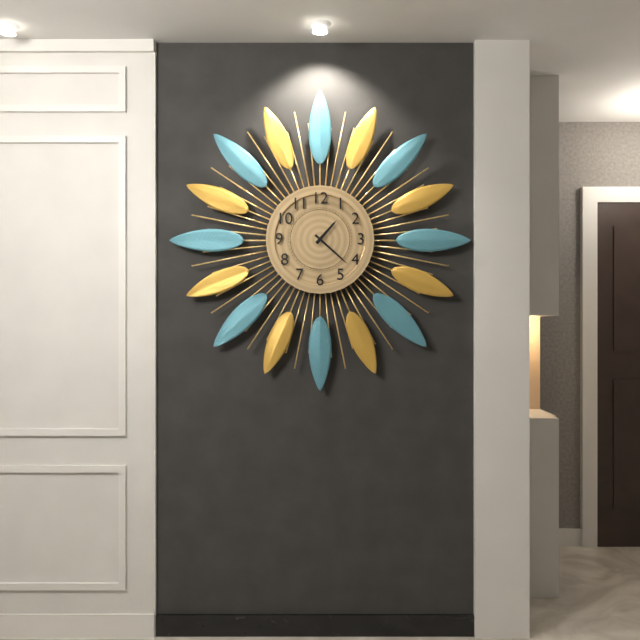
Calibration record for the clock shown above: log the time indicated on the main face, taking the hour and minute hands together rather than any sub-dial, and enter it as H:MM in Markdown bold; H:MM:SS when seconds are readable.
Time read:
**1:22**
